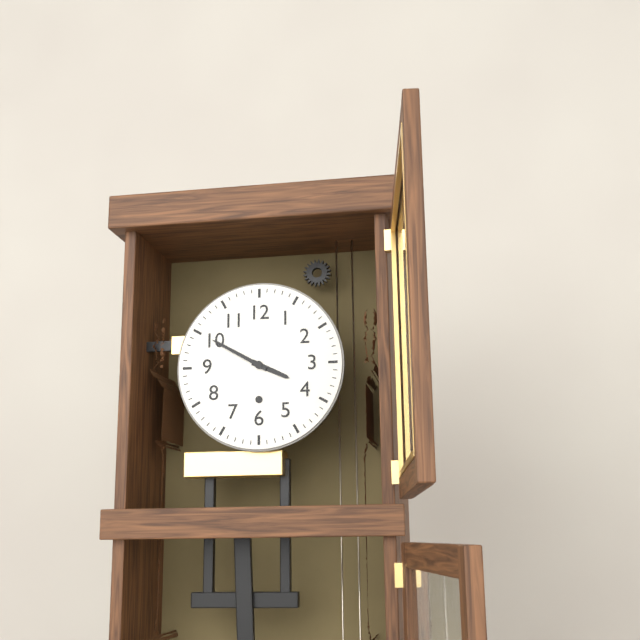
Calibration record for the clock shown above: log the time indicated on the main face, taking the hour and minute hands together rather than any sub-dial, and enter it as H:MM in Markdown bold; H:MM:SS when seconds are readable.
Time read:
**3:50**
